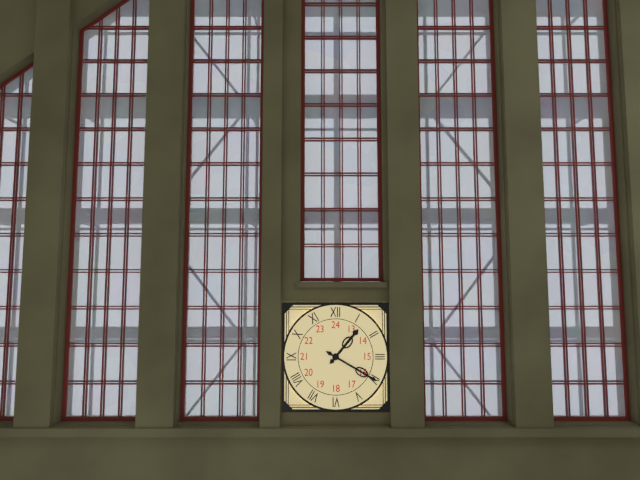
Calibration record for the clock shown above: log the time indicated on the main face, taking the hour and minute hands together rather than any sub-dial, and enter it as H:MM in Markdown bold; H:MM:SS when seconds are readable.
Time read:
**1:20**
